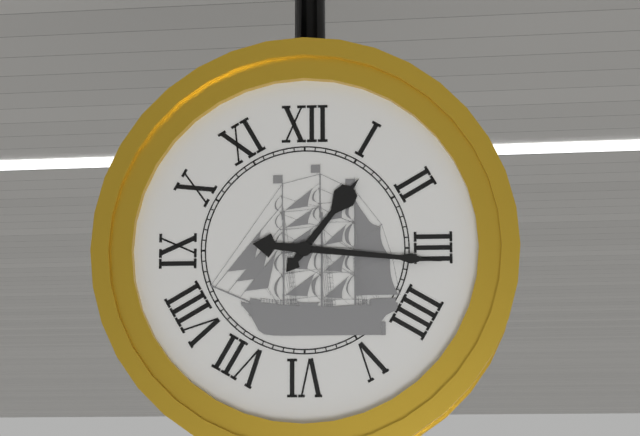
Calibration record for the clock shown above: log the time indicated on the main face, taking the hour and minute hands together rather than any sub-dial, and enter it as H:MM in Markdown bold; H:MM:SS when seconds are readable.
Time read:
**1:16**
